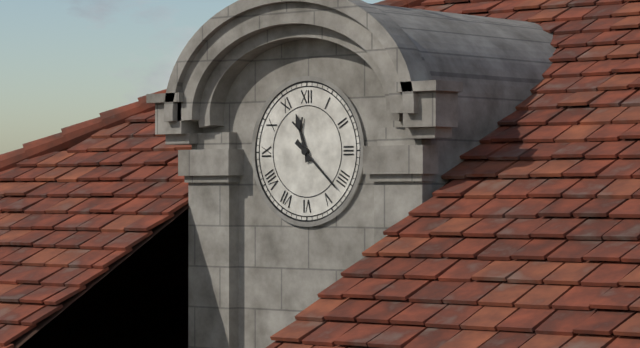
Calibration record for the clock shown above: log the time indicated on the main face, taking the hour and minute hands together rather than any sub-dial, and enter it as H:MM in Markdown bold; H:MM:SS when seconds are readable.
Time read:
**11:22**
